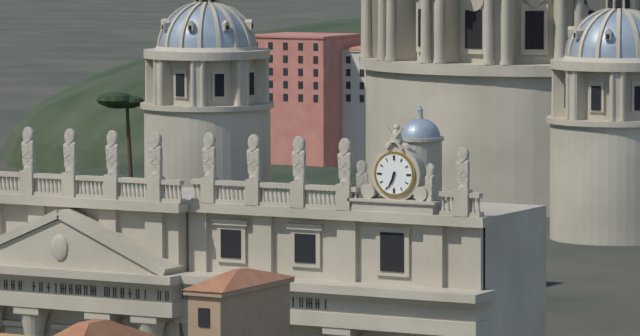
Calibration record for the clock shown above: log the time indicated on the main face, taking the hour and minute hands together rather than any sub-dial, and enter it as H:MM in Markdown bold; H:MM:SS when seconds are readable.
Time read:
**6:34**
